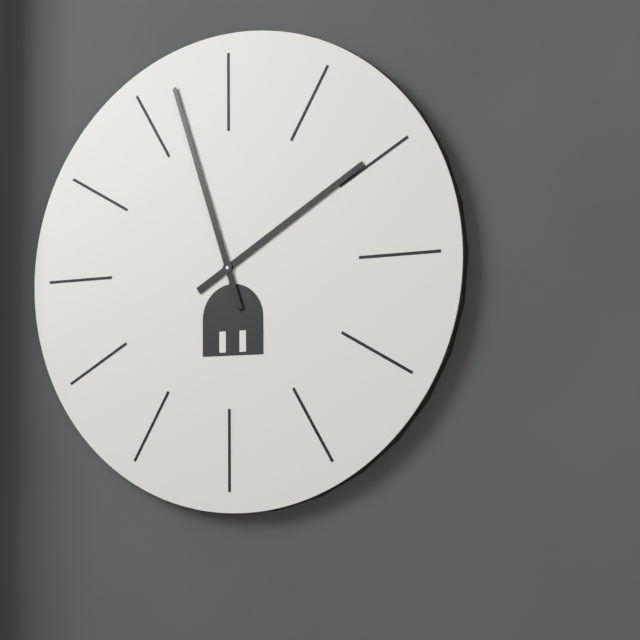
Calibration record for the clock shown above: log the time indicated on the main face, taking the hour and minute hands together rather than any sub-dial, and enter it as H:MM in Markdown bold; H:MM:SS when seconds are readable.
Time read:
**1:57**
